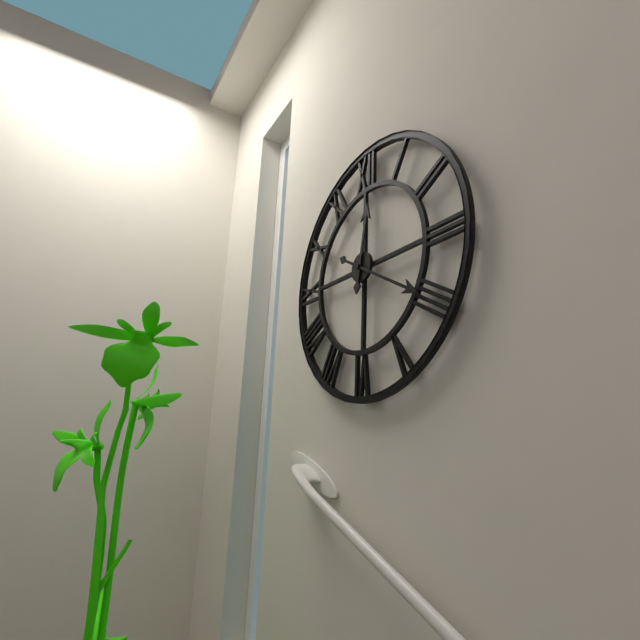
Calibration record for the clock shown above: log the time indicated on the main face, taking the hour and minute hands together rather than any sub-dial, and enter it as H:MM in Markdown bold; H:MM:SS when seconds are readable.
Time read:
**12:20**
